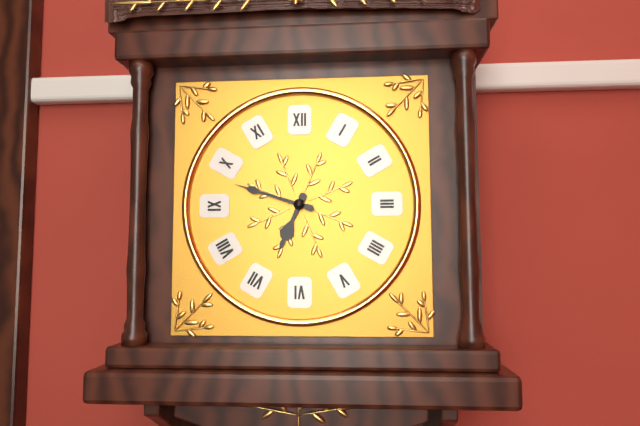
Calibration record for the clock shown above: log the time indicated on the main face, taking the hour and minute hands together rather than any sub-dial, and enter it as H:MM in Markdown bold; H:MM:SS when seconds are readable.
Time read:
**6:48**
